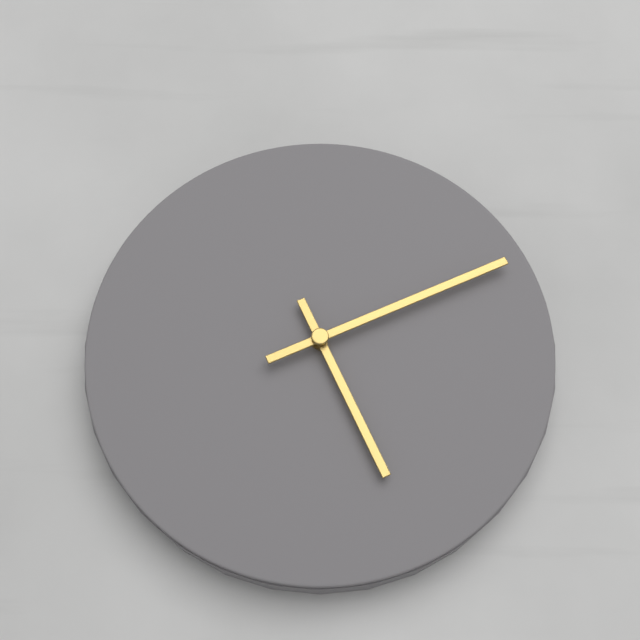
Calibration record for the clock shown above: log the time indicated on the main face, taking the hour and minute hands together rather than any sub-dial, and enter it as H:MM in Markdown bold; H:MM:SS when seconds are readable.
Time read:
**5:11**
